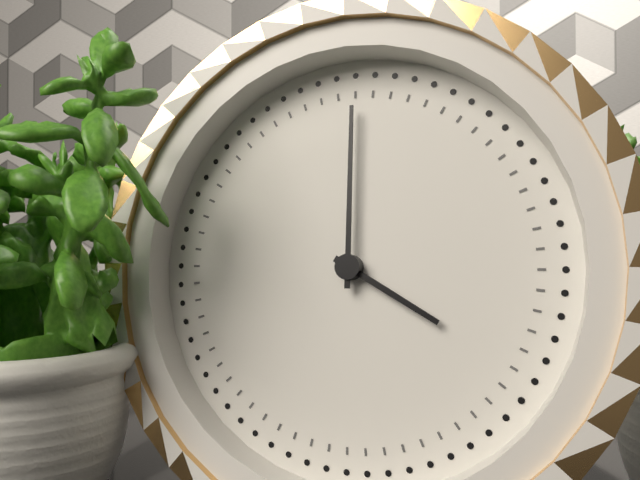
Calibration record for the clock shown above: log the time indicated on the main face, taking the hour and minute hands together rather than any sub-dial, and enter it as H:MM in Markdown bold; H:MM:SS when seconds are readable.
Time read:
**4:00**
